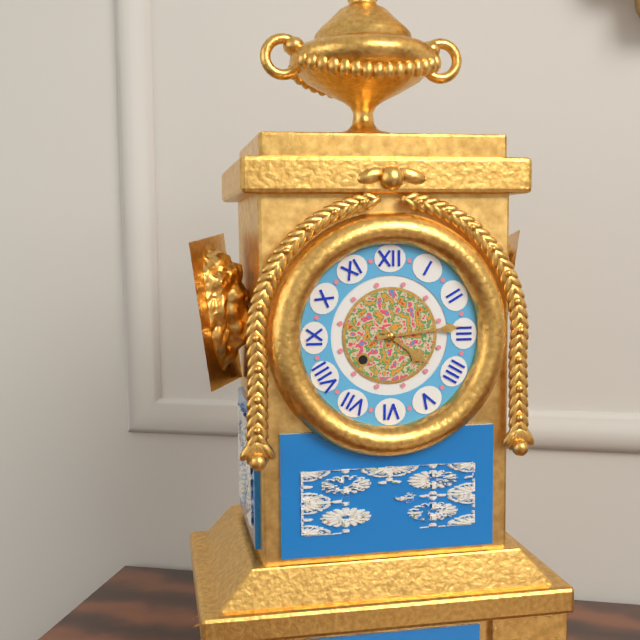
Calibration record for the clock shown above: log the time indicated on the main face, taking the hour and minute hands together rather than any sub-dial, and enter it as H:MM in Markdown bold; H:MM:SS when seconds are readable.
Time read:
**4:14**
